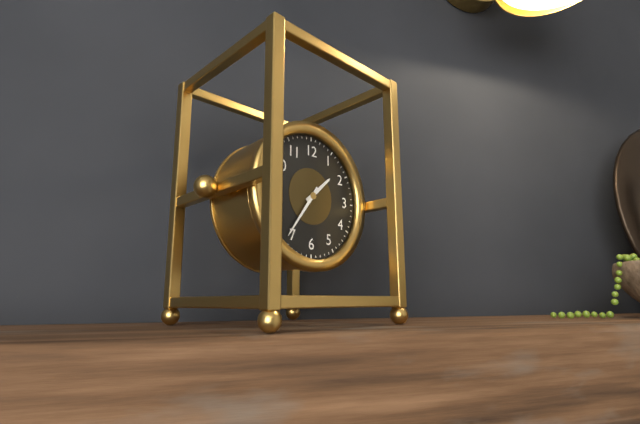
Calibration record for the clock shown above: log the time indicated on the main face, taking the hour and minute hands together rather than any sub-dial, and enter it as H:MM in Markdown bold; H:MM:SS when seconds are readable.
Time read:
**1:36**
